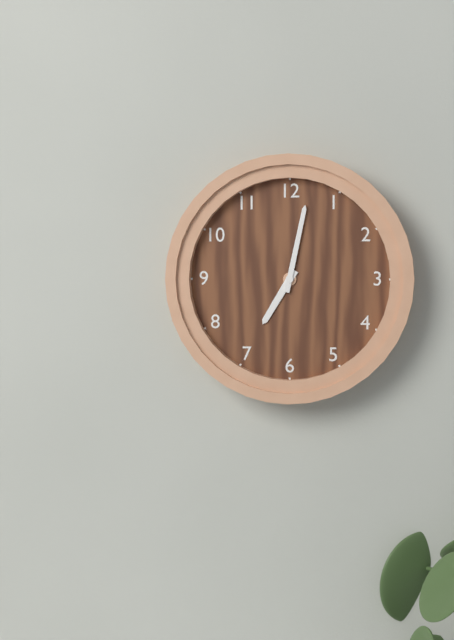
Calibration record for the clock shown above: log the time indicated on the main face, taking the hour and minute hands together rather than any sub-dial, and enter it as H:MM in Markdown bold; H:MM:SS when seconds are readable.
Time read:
**7:02**
